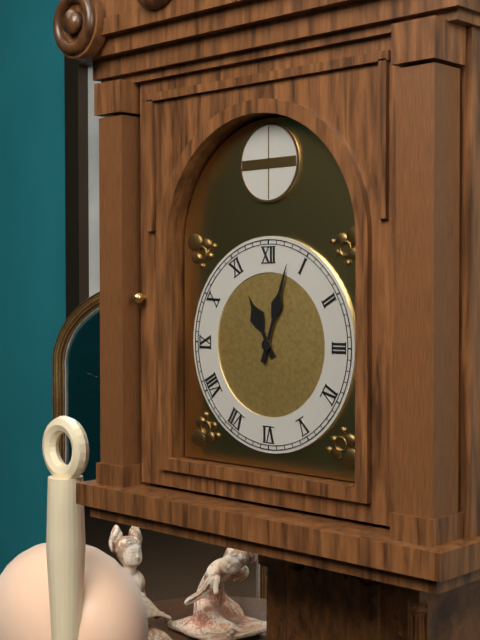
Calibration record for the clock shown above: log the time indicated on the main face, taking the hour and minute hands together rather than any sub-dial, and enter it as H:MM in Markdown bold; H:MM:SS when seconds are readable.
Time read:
**11:03**
